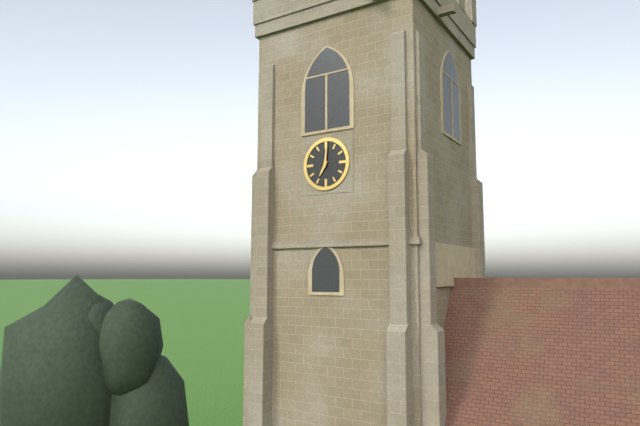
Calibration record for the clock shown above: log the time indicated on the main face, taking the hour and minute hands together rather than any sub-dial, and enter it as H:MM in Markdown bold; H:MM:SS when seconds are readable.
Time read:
**7:01**
